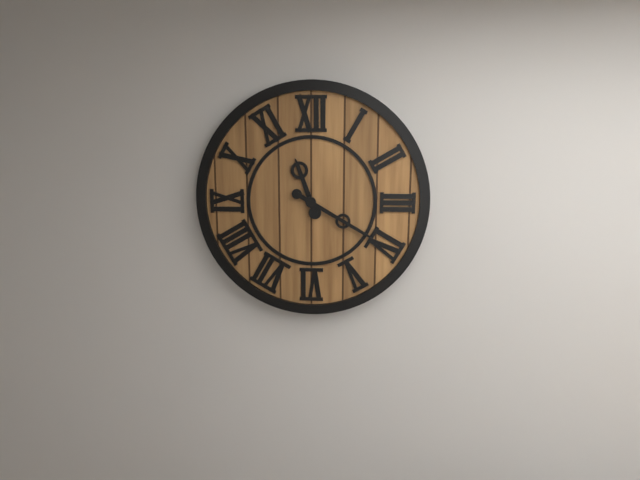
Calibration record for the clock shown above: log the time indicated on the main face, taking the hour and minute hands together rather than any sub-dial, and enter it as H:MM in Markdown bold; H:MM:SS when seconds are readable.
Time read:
**11:20**
